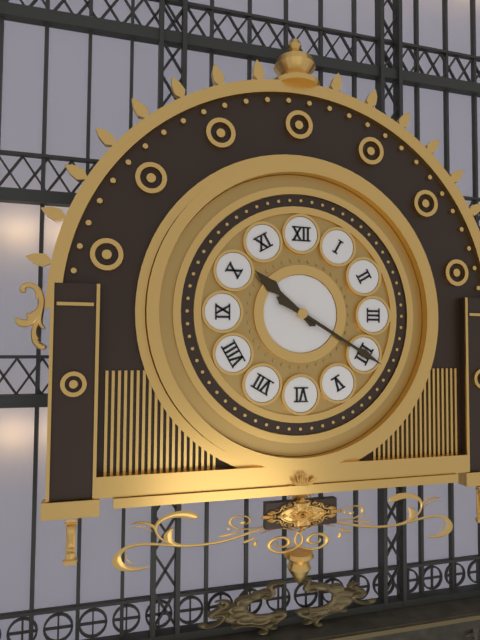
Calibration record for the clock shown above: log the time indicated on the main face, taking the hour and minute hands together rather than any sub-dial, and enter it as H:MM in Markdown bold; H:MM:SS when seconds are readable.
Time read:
**10:20**
